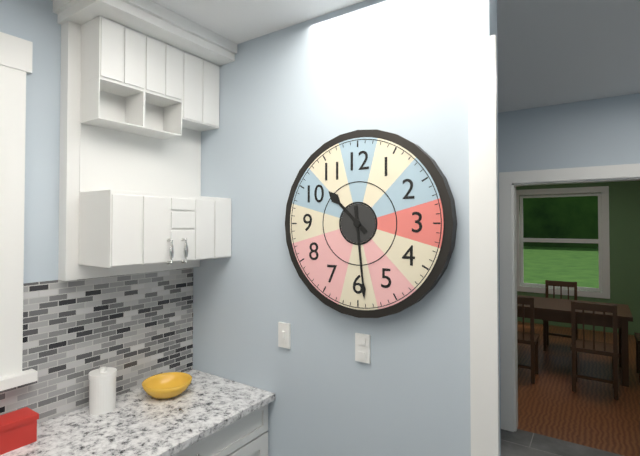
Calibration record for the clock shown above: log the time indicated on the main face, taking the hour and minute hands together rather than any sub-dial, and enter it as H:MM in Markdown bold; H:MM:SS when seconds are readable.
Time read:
**10:29**
